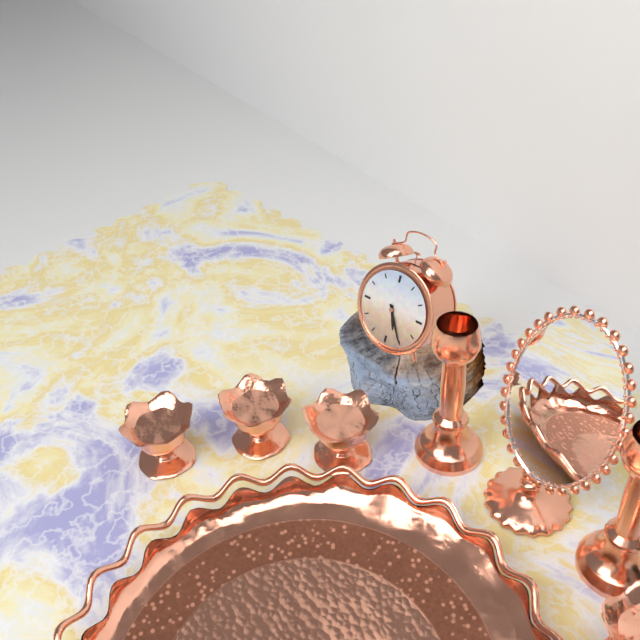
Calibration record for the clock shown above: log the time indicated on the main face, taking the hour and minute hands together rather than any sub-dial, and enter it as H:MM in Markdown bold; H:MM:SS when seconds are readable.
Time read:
**5:25**
